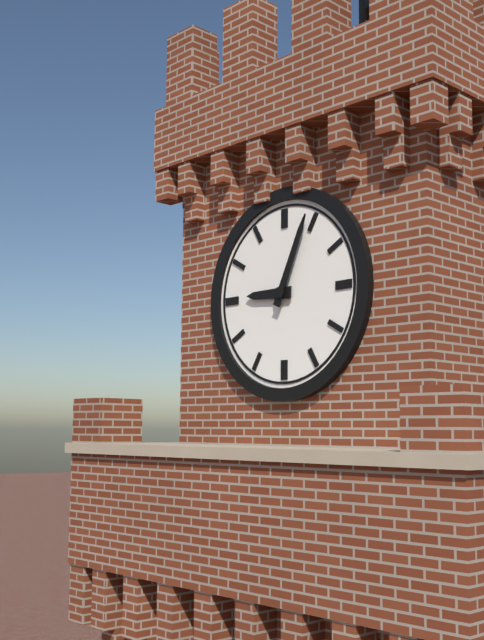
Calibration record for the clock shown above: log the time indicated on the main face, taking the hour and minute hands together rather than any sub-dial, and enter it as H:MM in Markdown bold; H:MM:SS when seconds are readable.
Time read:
**9:04**
